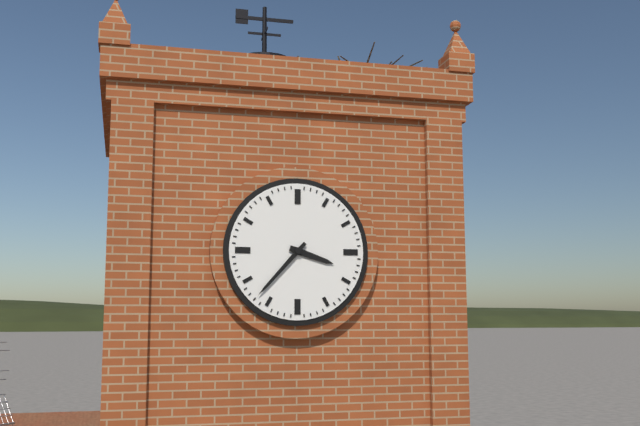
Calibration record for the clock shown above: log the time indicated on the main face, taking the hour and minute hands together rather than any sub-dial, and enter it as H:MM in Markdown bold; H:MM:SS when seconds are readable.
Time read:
**3:37**
